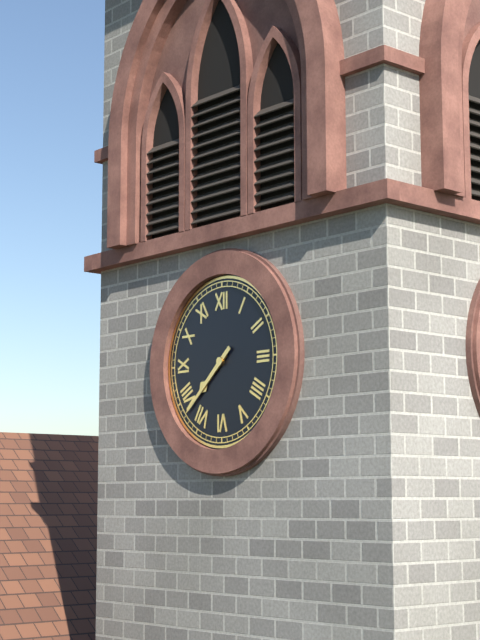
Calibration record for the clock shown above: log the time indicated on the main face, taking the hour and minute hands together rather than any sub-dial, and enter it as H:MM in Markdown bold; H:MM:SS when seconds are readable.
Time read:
**7:38**
